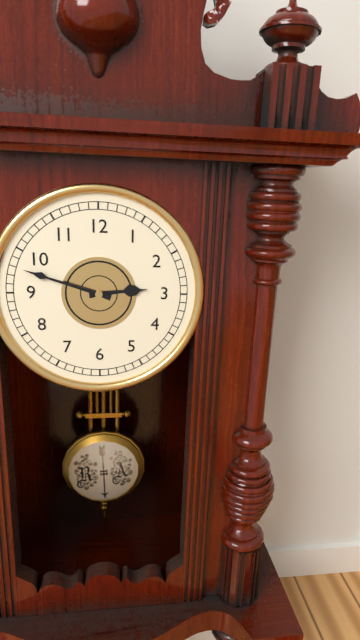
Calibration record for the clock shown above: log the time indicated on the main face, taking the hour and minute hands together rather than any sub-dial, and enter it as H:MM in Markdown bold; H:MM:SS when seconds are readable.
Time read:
**2:48**
